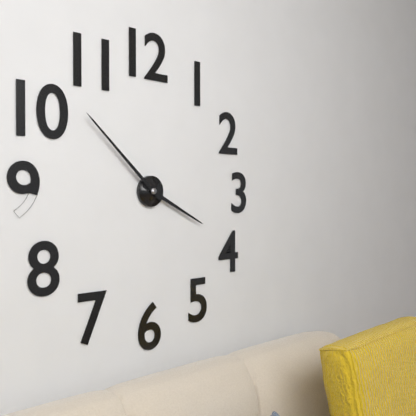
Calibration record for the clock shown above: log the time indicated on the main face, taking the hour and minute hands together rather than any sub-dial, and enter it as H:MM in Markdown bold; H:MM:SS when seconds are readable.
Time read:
**3:52**
